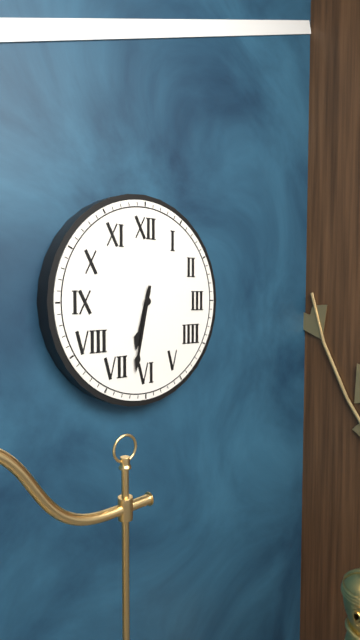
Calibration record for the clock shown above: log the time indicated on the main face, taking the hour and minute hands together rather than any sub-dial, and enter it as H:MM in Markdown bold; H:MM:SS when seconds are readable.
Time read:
**6:32**
